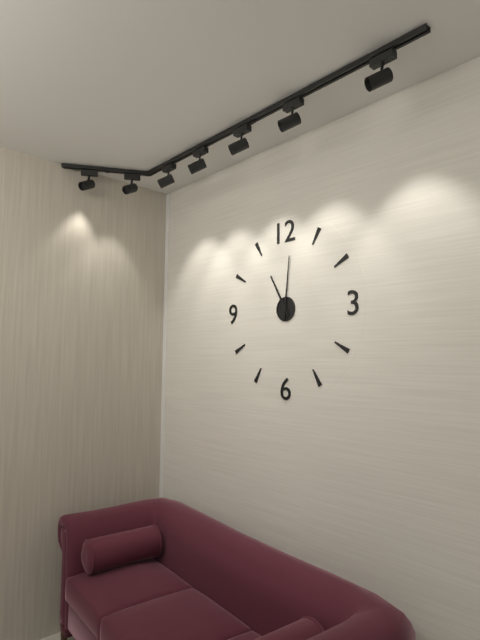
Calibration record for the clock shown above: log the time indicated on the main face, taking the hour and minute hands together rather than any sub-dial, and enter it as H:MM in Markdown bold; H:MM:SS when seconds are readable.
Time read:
**11:01**
